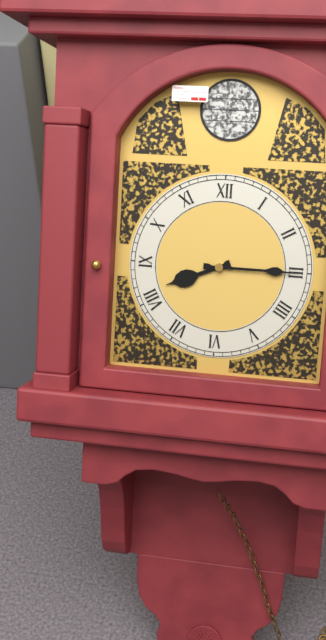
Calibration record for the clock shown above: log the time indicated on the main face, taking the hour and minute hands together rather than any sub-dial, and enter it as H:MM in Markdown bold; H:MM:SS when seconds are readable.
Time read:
**8:15**
